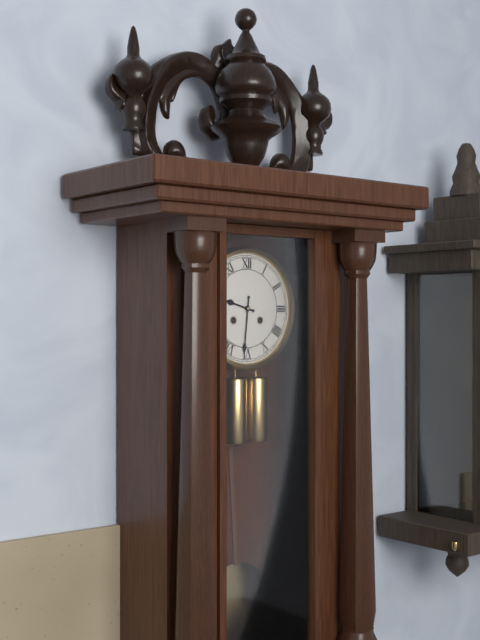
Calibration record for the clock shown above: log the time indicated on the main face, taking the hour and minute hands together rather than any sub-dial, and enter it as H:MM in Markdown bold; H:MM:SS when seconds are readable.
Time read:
**9:31**
